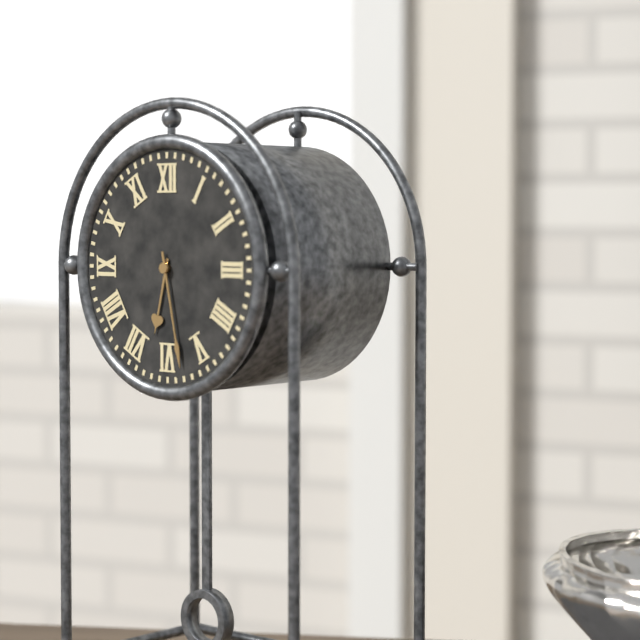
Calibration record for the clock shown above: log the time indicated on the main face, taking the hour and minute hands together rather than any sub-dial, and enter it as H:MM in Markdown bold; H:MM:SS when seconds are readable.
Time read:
**6:28**
